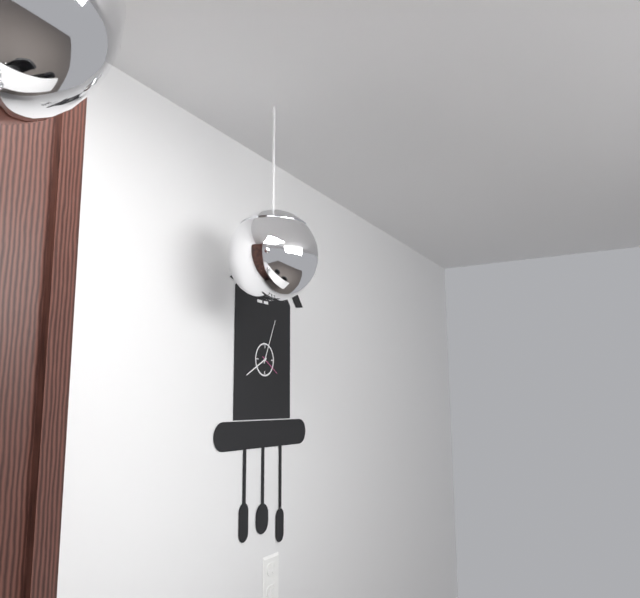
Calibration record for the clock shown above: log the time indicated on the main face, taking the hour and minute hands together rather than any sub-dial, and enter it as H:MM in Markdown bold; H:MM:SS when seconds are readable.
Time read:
**8:04**
